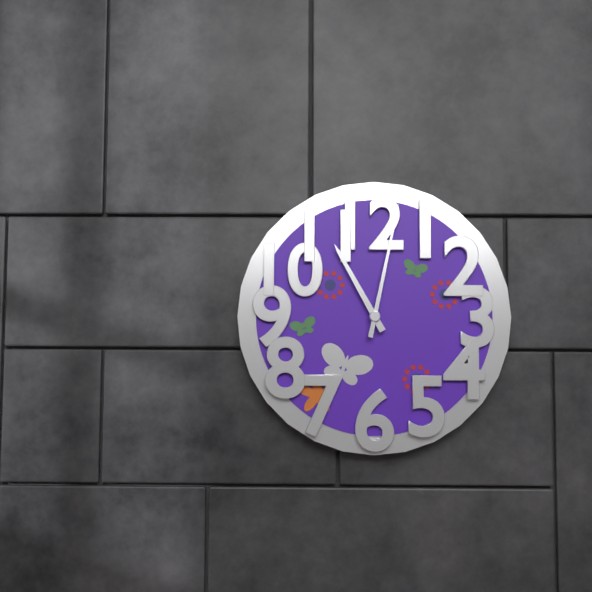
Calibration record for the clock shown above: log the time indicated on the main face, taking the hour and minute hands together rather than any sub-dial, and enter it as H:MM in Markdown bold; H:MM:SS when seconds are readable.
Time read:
**11:02**
